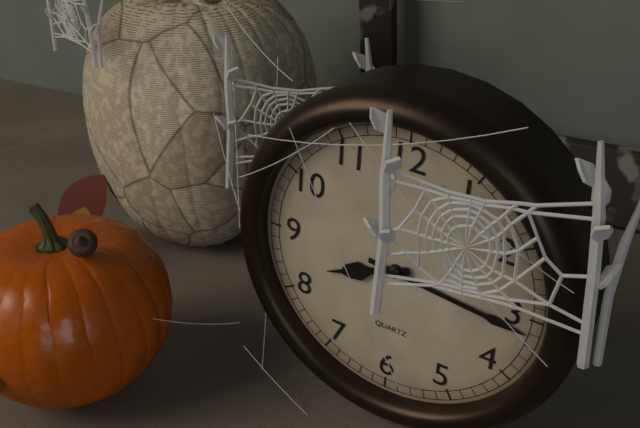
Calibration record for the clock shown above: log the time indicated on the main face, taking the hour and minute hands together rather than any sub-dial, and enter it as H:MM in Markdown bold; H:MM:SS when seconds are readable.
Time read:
**8:16**
